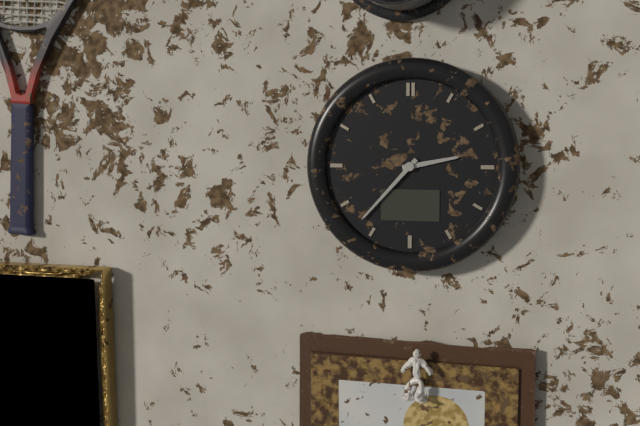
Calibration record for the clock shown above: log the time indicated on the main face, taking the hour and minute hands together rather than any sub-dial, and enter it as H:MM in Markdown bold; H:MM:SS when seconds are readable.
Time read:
**2:37**
